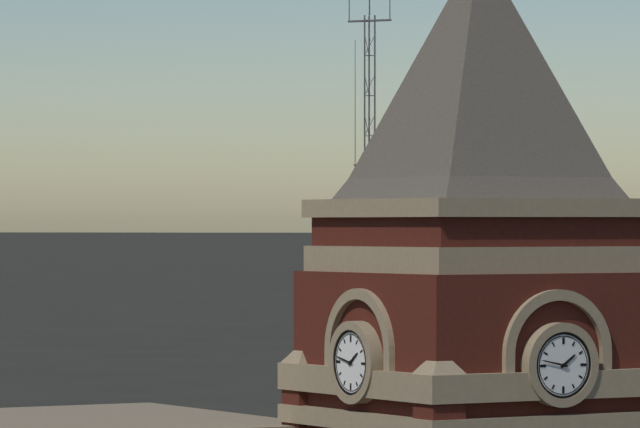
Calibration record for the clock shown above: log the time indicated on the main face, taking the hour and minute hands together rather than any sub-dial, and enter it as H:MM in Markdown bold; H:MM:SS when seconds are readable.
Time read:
**1:47**
